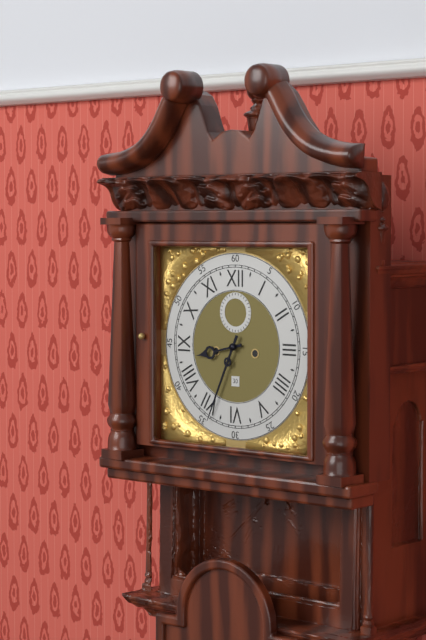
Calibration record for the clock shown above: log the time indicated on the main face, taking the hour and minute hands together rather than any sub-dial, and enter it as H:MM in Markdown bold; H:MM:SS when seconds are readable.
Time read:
**8:34**
